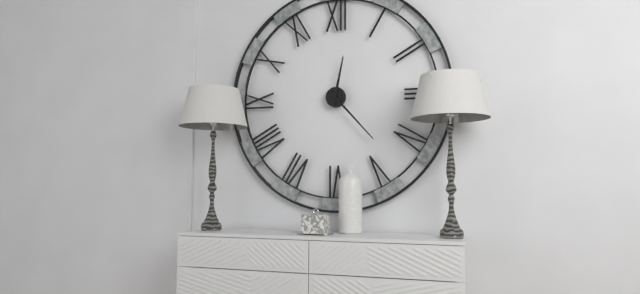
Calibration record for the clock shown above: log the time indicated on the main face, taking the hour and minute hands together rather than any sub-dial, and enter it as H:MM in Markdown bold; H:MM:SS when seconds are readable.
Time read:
**12:23**
